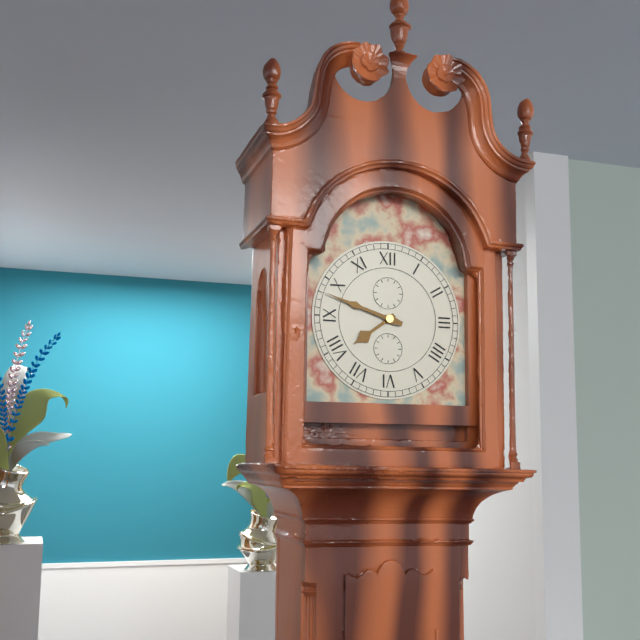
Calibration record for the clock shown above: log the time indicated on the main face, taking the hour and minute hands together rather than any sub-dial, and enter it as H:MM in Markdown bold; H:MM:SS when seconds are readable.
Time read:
**7:48**
